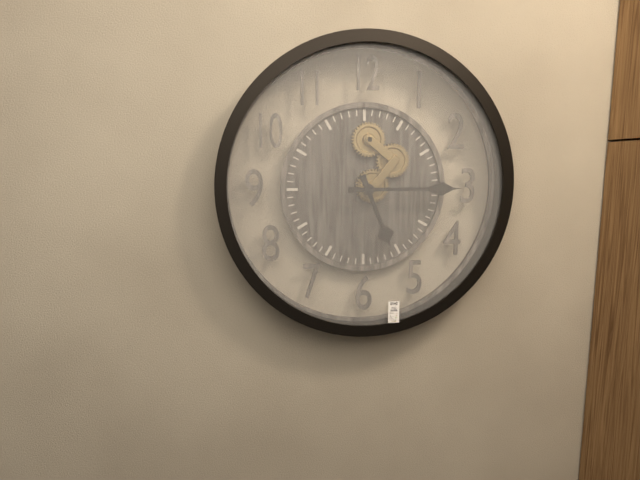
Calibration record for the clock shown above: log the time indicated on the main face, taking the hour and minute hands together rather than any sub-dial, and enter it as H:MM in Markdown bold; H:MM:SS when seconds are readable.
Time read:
**5:15**
